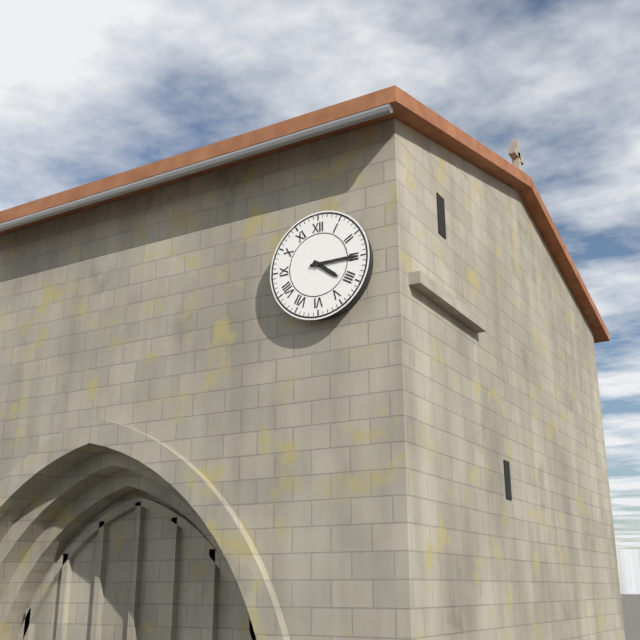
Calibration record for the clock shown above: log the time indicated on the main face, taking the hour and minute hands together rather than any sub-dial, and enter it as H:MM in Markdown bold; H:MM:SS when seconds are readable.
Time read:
**4:15**
